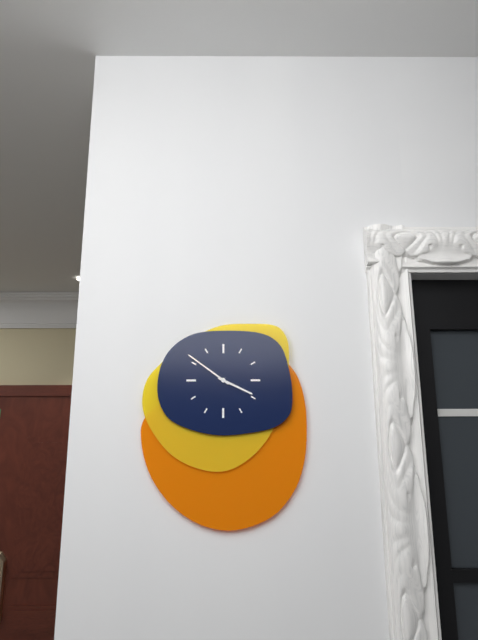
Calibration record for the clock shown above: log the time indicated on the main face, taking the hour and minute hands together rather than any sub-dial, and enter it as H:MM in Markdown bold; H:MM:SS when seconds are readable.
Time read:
**3:51**
